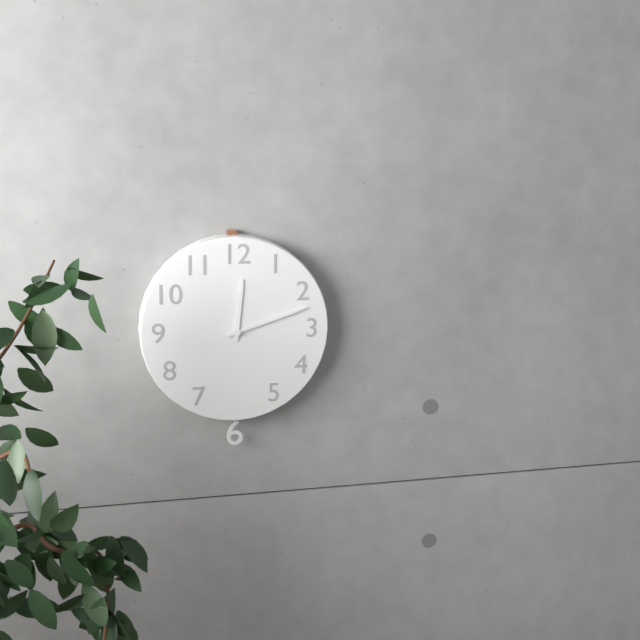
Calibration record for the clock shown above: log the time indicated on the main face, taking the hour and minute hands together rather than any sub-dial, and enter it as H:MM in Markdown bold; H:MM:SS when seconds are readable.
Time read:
**12:12**
